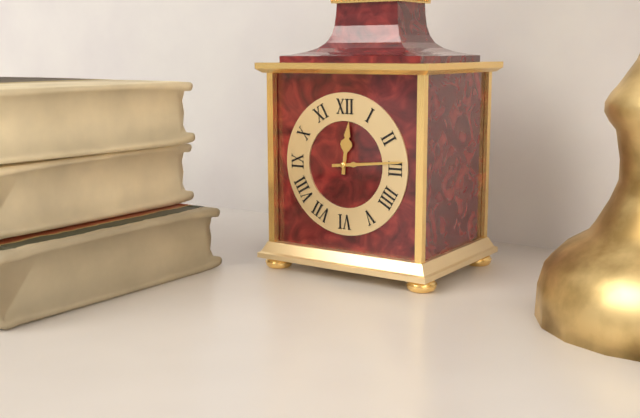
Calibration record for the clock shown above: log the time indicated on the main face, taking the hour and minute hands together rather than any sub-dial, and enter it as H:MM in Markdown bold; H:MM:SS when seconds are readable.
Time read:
**12:14**
